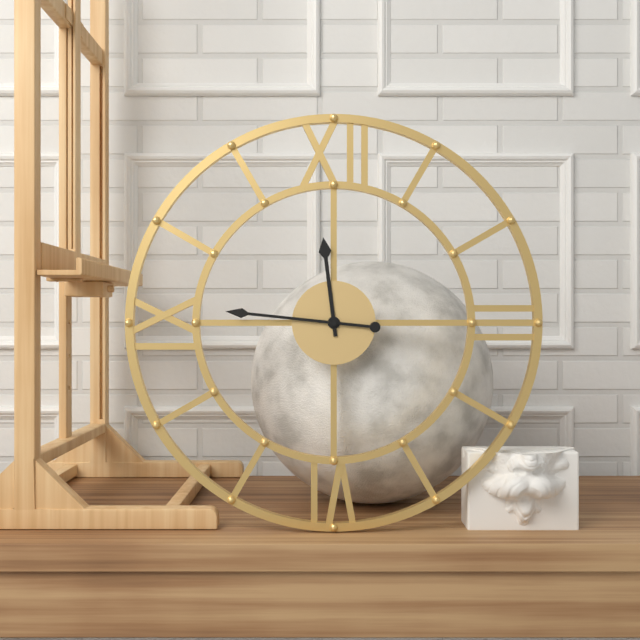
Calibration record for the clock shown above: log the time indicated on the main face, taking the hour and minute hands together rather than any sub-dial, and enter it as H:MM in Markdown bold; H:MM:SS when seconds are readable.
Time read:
**11:46**
